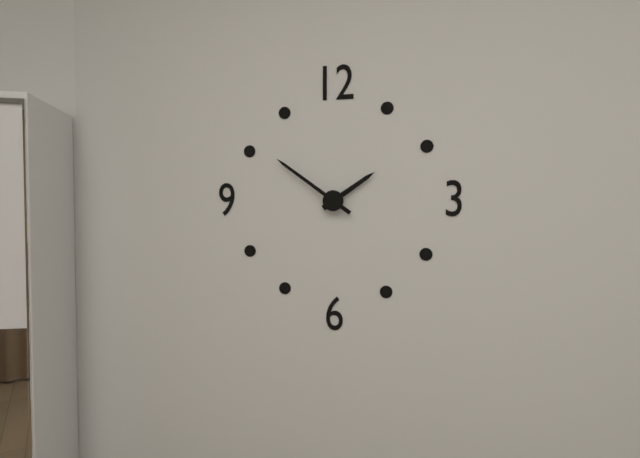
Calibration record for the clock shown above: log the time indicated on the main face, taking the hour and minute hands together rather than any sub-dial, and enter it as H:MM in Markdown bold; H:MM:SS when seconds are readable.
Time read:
**1:51**
